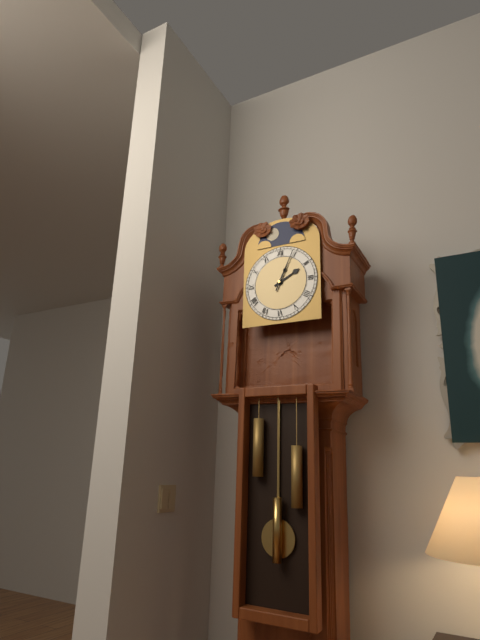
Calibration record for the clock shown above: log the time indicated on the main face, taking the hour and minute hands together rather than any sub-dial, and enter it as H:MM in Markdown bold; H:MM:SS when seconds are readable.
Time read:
**2:04**
